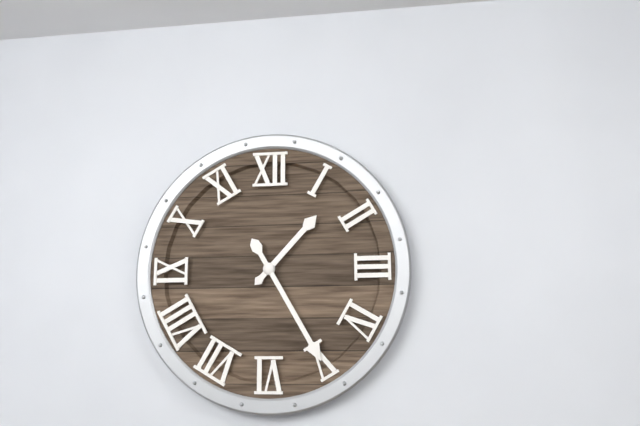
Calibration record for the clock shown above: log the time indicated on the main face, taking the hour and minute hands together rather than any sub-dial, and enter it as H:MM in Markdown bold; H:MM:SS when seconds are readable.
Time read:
**1:25**
